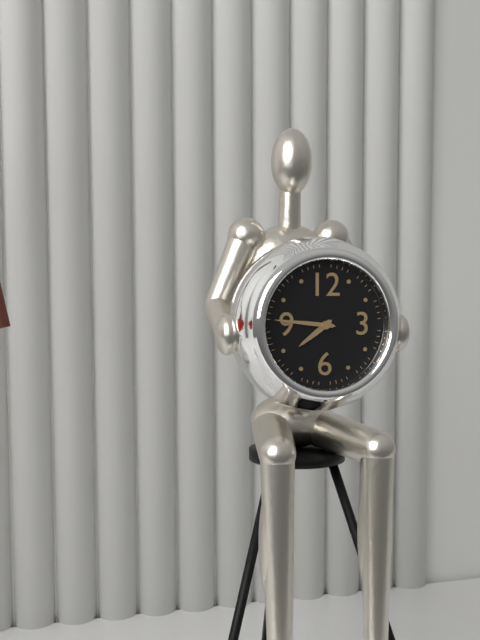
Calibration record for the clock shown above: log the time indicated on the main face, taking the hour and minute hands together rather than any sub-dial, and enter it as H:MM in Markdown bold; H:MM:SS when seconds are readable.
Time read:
**7:46**
